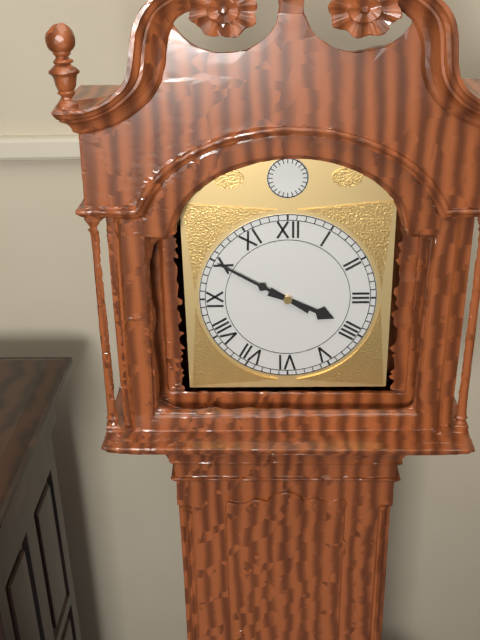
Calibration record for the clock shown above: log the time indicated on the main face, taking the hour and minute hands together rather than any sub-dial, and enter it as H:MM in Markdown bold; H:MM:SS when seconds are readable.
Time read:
**3:50**
